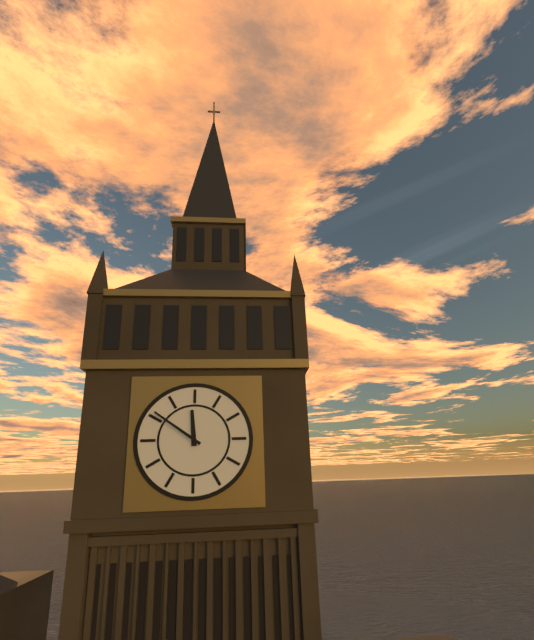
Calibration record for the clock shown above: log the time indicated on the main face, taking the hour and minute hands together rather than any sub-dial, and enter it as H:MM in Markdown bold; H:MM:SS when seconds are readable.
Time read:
**11:51**
